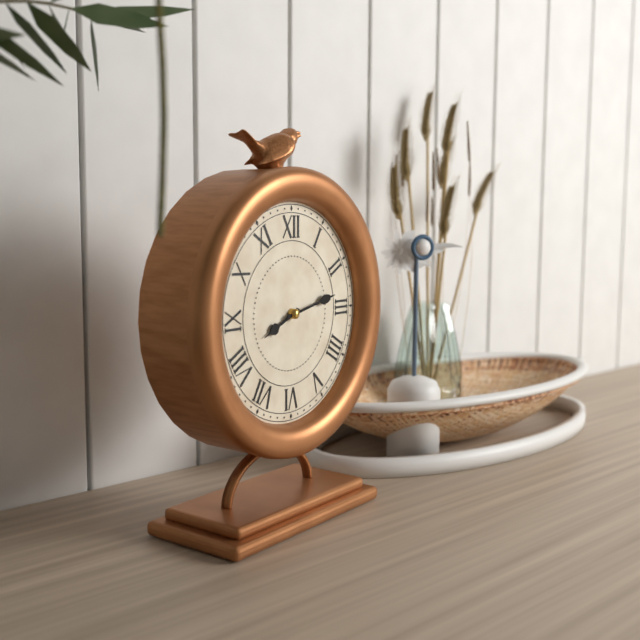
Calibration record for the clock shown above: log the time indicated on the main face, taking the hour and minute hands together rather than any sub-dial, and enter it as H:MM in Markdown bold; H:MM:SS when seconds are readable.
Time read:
**8:13**
